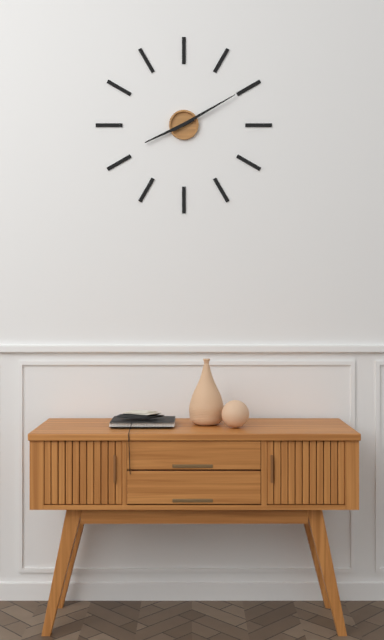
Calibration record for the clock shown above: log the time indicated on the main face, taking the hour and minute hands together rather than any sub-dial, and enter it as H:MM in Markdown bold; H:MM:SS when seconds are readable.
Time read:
**8:10**
